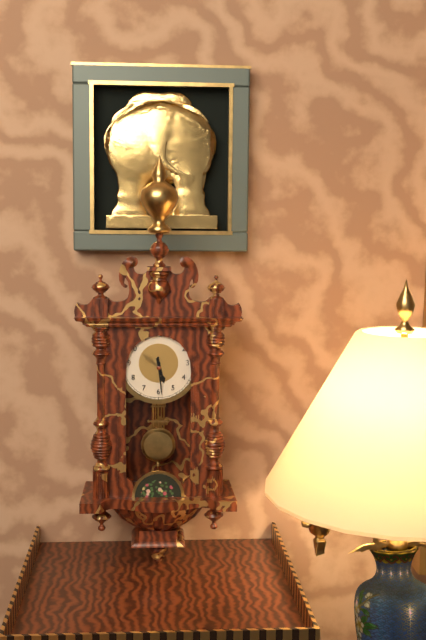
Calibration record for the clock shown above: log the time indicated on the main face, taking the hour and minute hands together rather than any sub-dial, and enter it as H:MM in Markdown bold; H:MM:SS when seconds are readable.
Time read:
**5:29**
